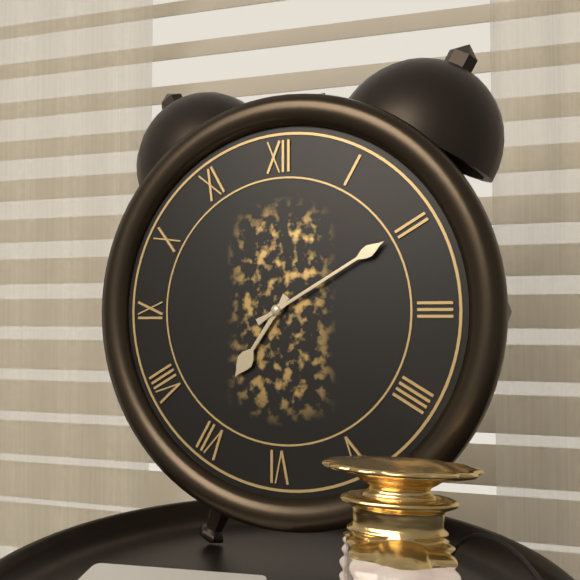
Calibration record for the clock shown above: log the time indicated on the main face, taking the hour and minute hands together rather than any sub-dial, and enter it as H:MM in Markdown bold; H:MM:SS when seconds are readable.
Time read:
**7:10**
